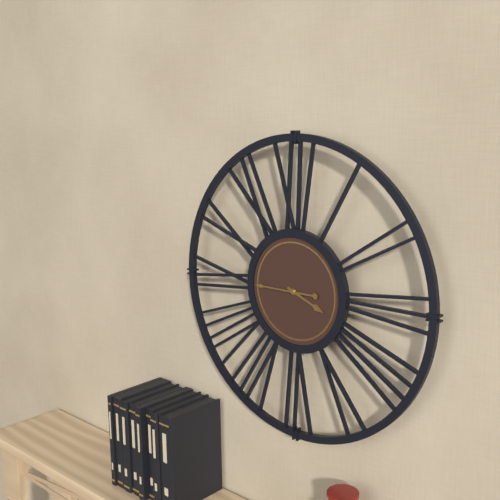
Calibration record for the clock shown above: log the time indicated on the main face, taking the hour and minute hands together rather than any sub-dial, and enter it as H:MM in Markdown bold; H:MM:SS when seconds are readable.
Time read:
**3:45**
